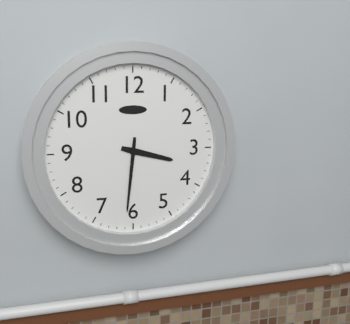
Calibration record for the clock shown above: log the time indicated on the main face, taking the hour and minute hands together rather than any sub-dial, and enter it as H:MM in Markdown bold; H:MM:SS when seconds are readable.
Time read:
**3:31**
